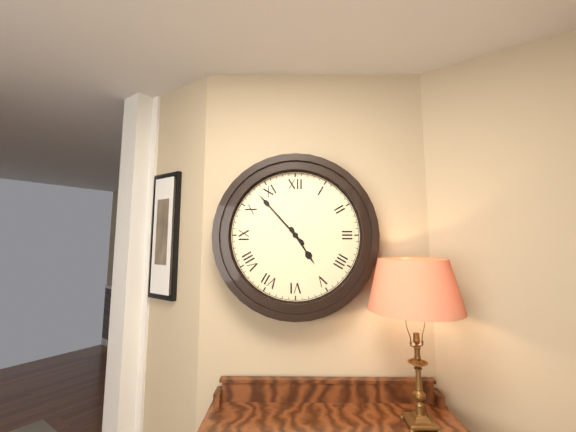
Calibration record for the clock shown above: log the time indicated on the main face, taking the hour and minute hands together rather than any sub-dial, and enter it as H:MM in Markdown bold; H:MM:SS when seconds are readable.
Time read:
**4:53**
